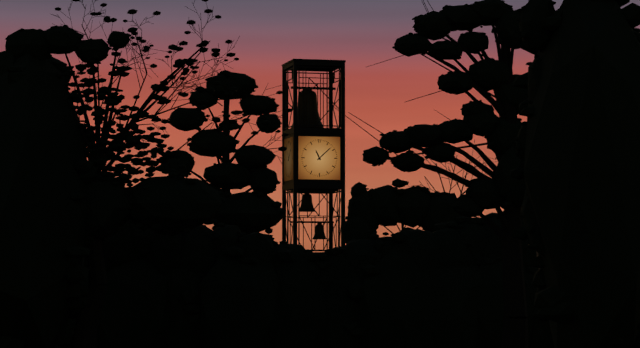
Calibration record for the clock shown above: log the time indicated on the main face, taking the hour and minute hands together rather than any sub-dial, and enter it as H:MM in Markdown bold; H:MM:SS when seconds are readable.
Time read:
**11:08**
